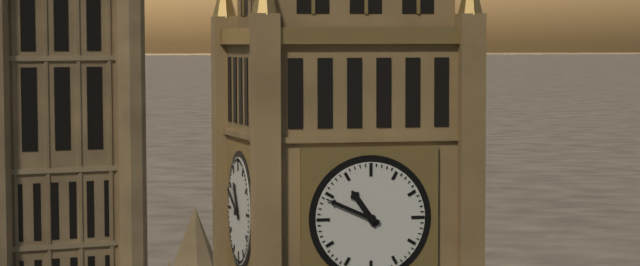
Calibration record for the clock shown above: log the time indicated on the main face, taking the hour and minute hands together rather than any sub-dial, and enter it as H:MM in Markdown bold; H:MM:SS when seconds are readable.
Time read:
**10:49**
